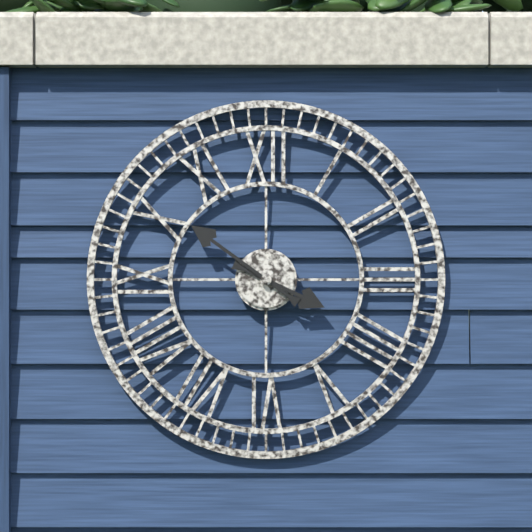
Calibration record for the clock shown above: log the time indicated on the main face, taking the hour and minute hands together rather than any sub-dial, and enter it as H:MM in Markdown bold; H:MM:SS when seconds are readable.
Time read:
**3:51**
